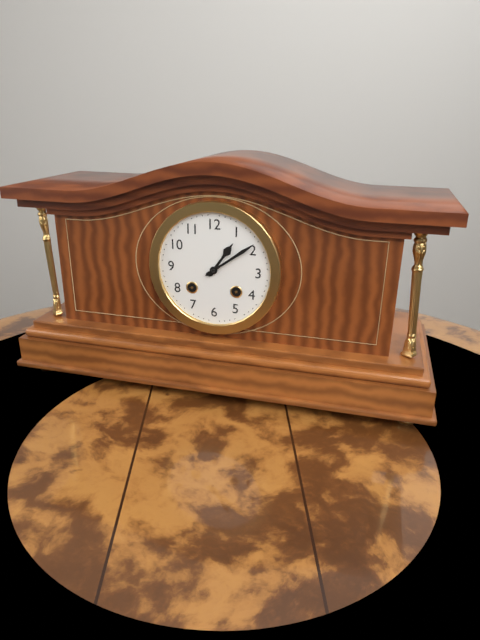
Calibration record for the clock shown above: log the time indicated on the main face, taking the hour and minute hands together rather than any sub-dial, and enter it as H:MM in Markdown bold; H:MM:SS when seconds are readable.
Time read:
**1:09**
